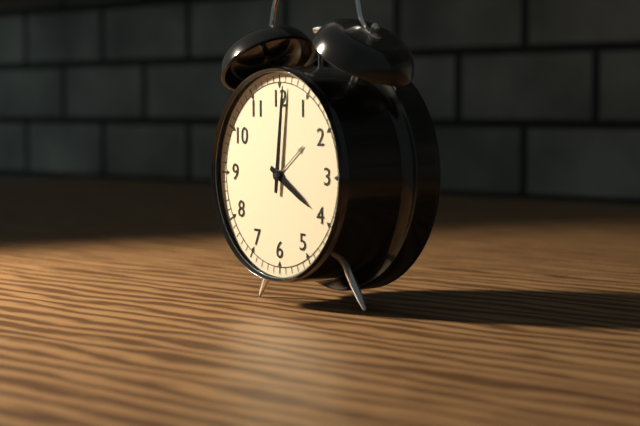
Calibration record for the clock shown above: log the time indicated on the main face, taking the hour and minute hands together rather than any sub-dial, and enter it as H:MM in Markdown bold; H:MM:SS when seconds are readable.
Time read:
**4:01**
